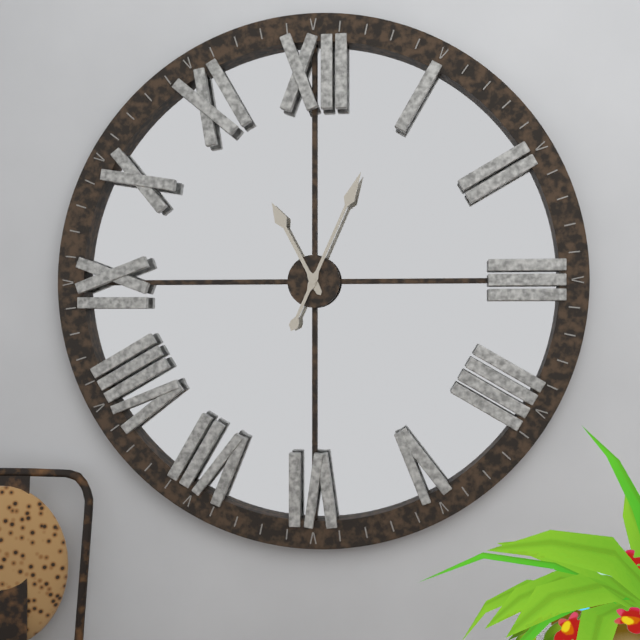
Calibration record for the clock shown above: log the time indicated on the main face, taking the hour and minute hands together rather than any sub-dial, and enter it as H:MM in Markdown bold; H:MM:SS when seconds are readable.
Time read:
**11:04**
